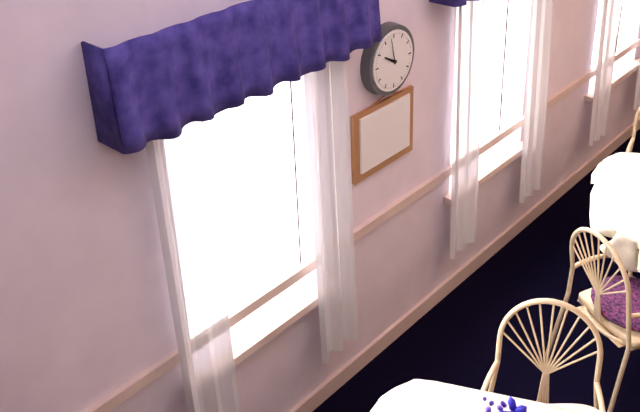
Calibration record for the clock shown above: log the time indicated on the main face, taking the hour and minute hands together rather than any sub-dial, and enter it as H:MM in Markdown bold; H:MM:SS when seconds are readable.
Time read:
**9:58**
